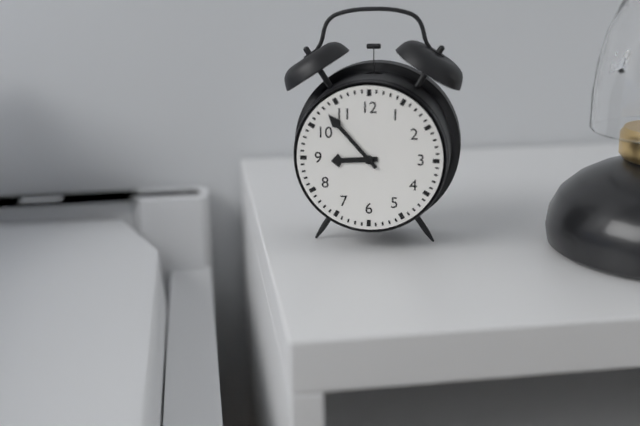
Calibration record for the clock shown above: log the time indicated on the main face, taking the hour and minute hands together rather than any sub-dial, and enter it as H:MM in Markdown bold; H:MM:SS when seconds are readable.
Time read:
**8:53**
